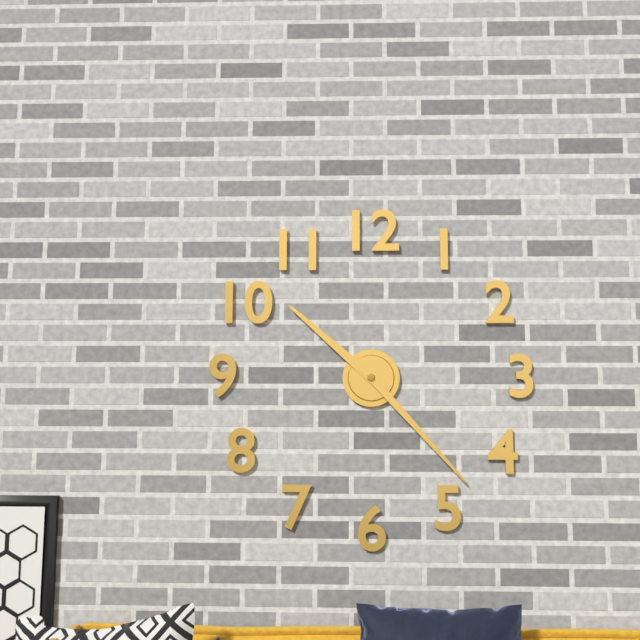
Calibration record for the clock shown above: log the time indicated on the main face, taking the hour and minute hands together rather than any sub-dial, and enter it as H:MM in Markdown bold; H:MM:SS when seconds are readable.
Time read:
**10:23**
